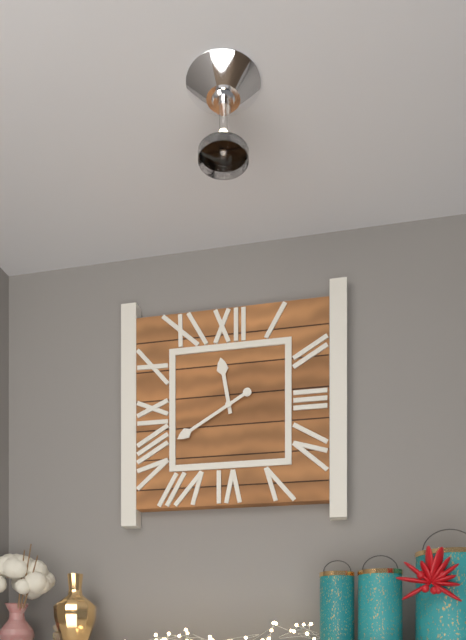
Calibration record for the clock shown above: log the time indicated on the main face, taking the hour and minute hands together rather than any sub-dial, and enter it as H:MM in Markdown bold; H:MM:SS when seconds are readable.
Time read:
**11:40**
